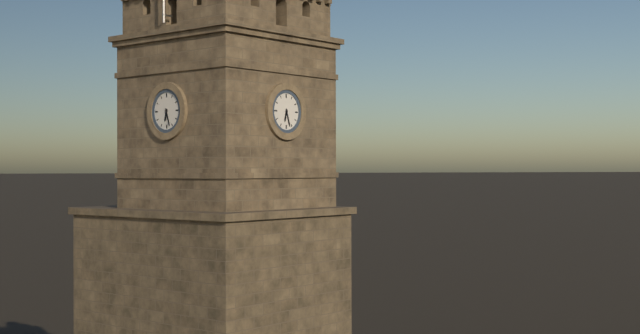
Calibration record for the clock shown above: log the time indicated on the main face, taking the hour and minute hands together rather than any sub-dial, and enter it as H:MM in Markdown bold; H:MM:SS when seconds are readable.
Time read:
**6:27**
